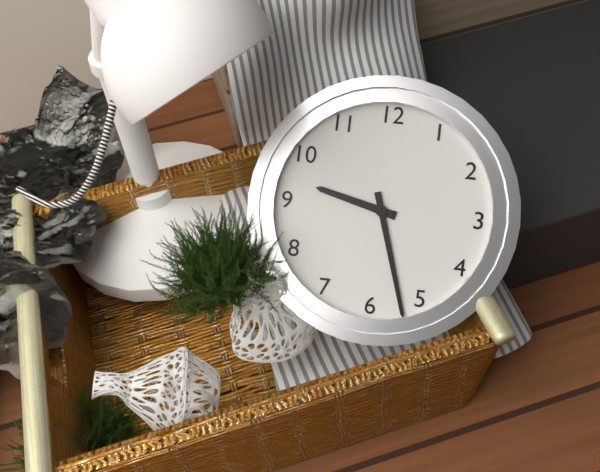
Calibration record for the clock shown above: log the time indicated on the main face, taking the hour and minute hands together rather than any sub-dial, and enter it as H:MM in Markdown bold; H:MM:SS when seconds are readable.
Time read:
**9:27**
